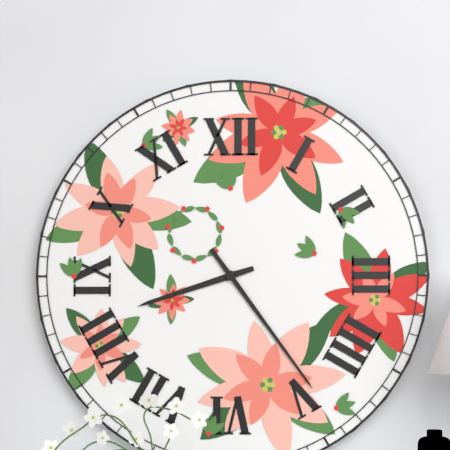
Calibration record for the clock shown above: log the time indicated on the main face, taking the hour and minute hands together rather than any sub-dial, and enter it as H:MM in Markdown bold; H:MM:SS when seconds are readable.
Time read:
**8:24**
